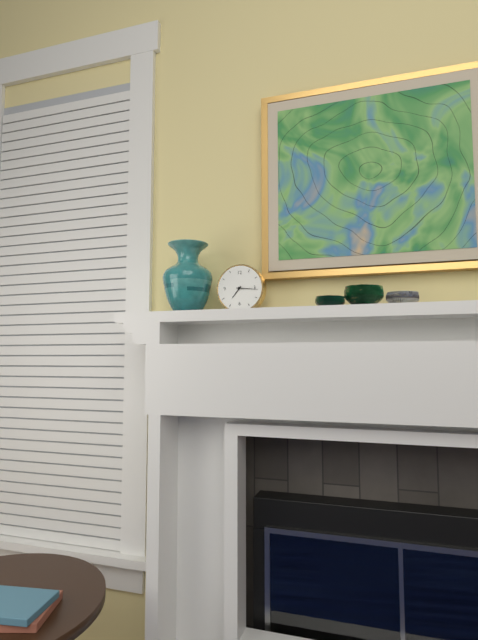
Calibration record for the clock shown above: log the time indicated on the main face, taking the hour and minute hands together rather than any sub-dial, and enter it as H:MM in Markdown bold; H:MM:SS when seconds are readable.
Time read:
**7:16**
